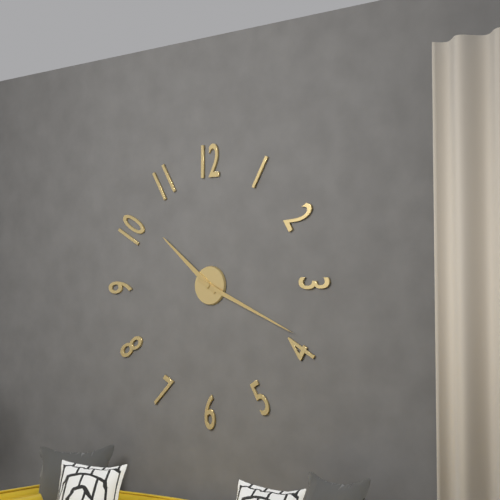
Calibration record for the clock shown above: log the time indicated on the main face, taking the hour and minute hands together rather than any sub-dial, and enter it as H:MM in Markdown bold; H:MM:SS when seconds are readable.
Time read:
**10:19**
